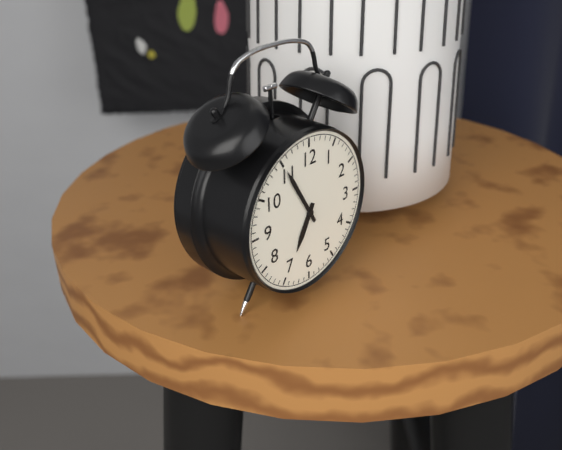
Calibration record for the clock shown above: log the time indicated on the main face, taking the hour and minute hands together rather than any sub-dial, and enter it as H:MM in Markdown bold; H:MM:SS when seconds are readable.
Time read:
**6:55**
